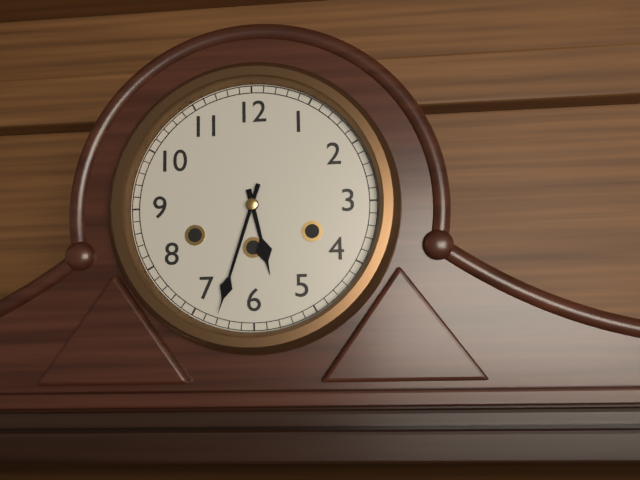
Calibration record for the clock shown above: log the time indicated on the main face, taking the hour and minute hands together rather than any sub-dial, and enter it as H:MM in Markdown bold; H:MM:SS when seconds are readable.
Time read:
**5:33**
